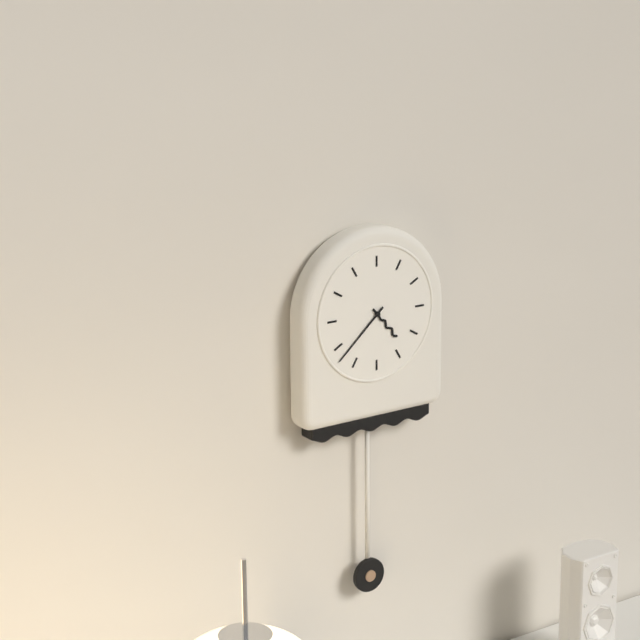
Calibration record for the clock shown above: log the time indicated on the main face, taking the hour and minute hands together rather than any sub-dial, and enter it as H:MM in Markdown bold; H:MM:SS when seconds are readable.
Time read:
**4:38**
